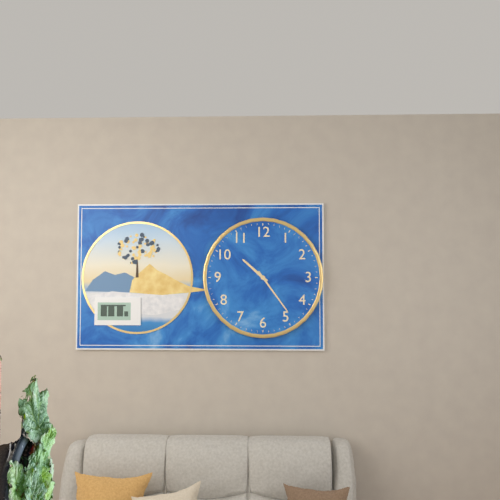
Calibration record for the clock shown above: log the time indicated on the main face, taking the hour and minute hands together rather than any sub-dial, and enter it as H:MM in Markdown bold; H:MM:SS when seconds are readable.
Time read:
**10:24**
